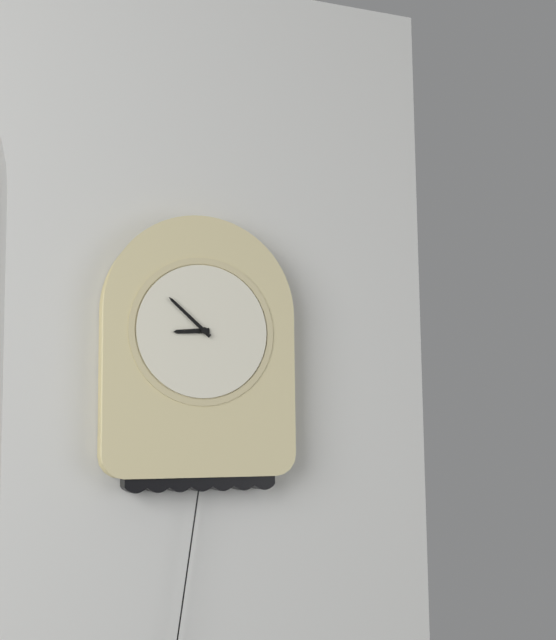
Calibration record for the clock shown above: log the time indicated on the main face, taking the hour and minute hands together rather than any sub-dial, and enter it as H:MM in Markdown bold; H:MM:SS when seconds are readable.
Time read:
**8:52**
